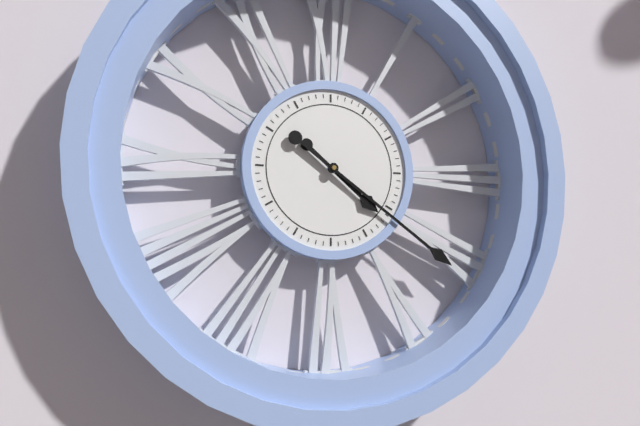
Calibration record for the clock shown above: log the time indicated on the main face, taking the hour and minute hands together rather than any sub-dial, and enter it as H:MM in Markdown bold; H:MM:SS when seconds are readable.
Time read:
**4:21**
